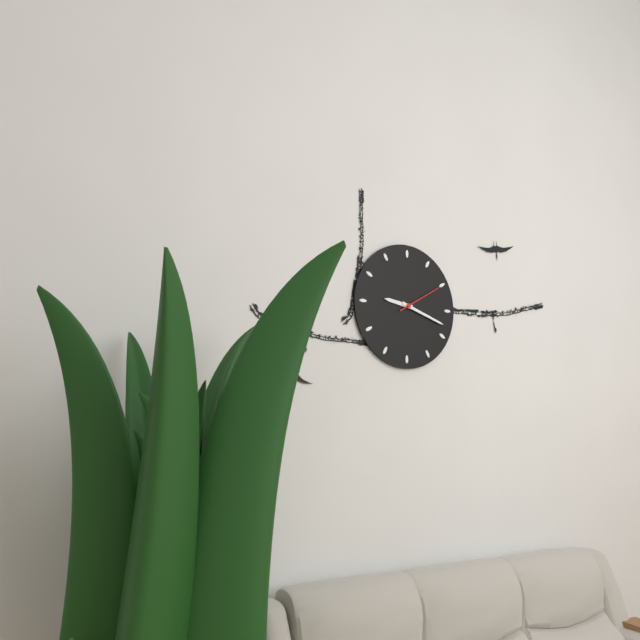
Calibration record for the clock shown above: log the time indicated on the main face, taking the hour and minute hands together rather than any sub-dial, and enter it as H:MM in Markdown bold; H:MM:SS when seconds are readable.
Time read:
**9:18**
